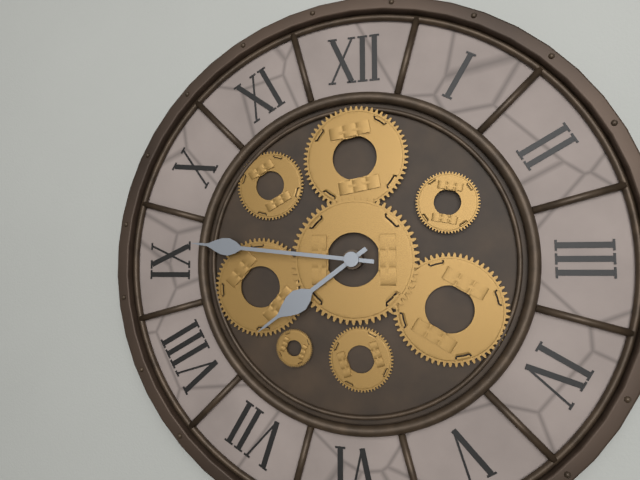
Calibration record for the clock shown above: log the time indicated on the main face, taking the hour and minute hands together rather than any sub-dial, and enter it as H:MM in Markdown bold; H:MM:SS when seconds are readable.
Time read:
**7:46**
